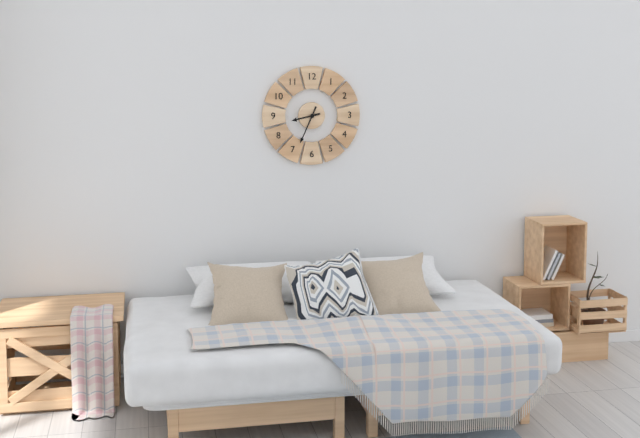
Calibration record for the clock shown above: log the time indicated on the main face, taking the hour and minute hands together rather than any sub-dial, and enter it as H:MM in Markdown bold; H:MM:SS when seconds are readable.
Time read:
**8:34**
